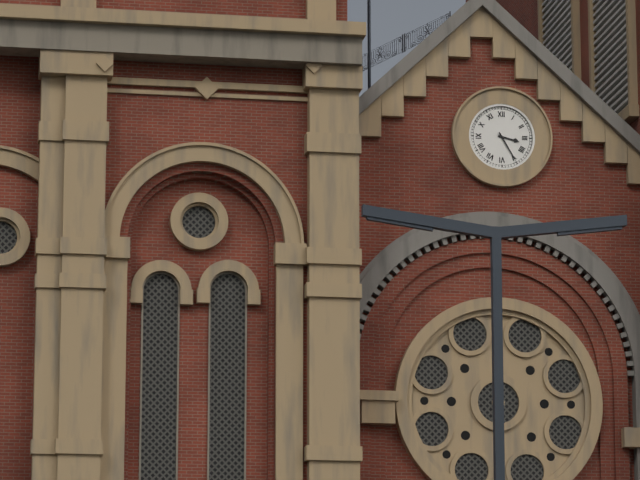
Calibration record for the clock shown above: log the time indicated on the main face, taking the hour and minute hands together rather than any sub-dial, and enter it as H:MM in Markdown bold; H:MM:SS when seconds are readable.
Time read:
**3:25**
